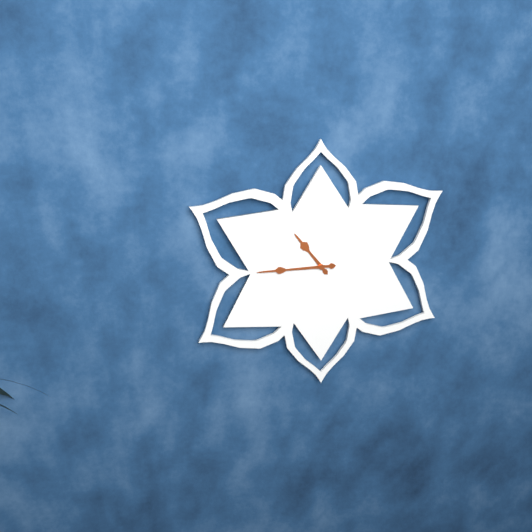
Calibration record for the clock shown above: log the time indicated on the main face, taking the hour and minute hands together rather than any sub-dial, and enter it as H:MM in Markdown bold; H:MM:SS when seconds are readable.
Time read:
**10:45**
